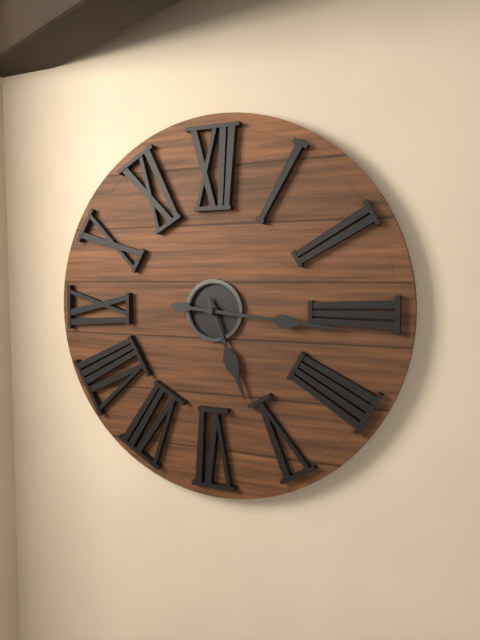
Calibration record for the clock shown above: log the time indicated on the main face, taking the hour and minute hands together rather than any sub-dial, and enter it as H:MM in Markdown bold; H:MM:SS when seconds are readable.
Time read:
**5:16**
